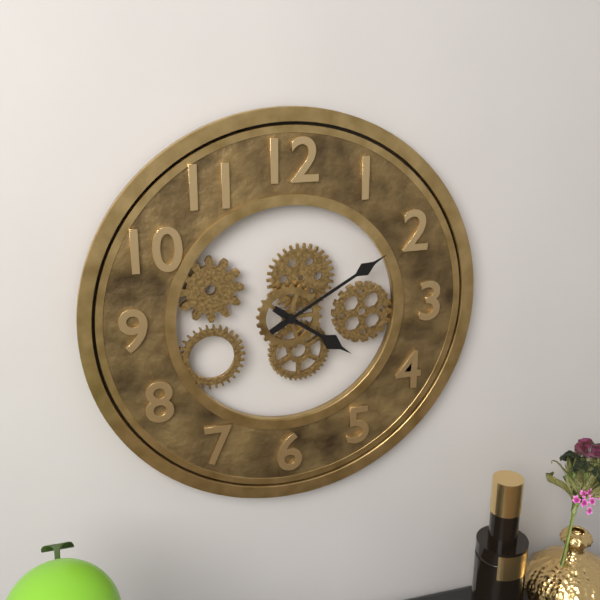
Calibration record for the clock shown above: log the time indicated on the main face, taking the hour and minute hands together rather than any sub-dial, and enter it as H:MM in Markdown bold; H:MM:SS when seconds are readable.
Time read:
**4:10**
